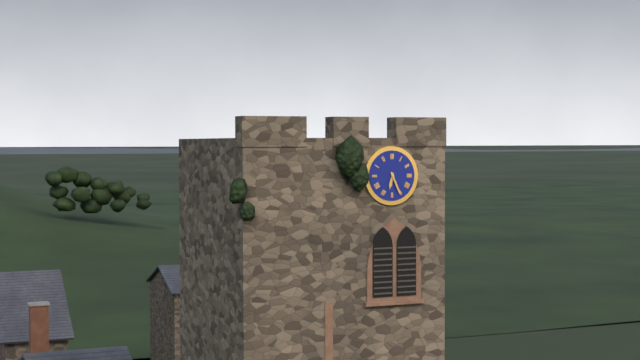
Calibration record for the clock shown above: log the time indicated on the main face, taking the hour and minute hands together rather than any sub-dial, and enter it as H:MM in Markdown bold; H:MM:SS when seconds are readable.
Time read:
**6:26**
